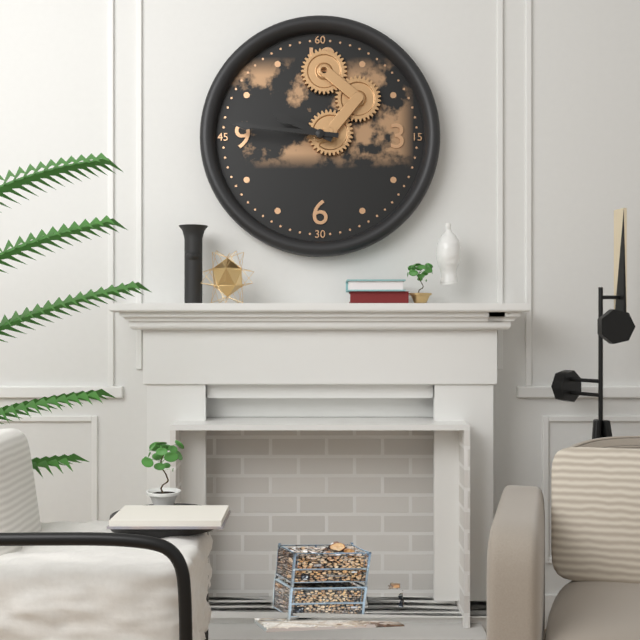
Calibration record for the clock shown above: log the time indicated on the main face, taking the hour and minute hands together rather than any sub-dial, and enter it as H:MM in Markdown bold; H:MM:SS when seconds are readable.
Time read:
**9:46**
